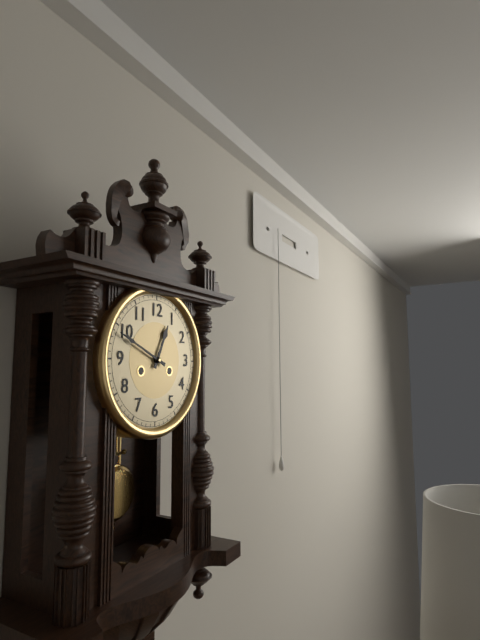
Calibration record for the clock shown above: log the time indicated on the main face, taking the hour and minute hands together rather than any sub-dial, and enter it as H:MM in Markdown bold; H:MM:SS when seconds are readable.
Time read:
**12:49**
